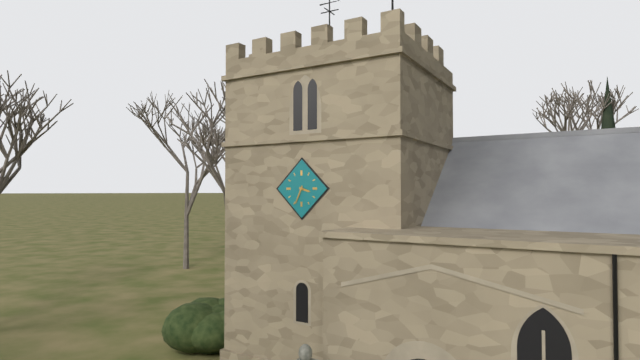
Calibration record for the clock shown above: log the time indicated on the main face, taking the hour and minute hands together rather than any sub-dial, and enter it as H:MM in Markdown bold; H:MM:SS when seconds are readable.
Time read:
**3:34**
